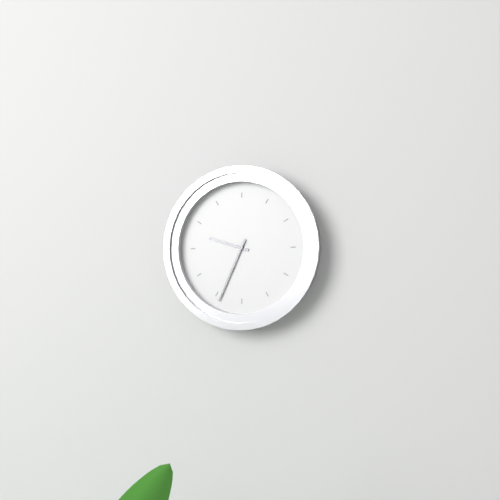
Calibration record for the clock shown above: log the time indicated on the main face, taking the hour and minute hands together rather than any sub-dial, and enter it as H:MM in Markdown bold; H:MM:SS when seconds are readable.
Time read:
**9:34**
